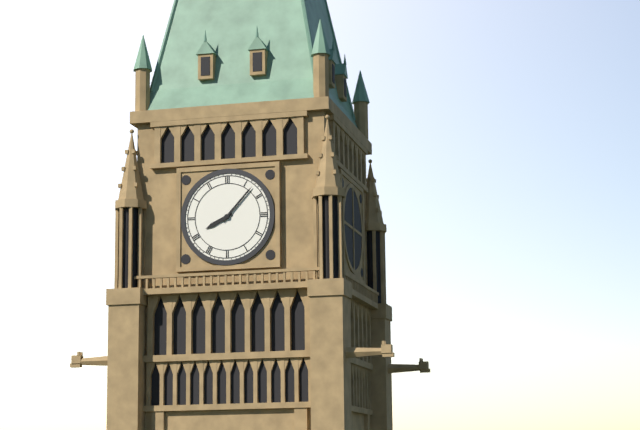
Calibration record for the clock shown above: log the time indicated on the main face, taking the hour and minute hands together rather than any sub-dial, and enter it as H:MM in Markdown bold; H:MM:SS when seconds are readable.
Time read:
**8:07**
